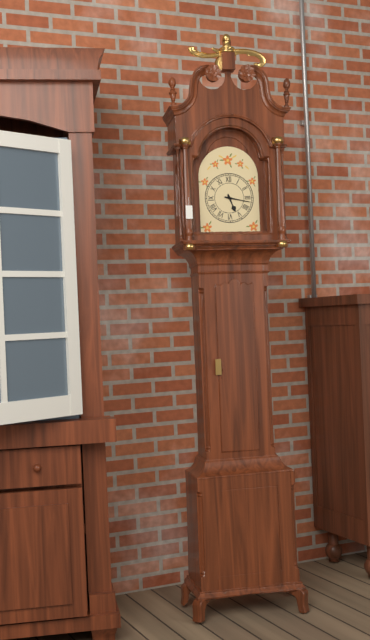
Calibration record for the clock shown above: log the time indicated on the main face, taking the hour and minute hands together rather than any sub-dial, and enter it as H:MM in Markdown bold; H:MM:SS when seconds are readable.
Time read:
**5:17**
